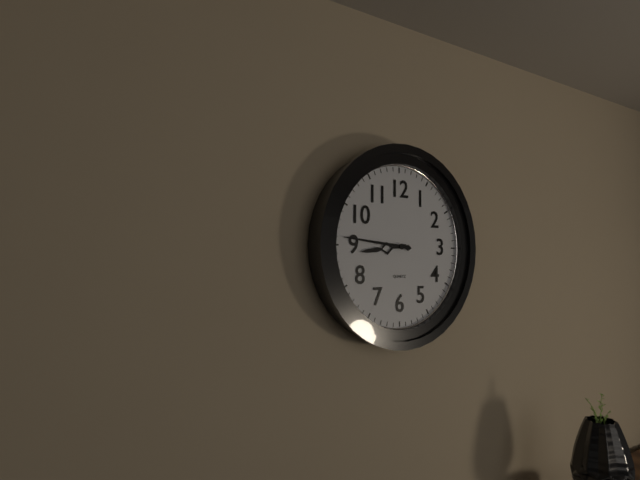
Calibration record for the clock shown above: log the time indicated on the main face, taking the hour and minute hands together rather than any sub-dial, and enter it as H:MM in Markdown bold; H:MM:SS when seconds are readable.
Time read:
**8:46**
